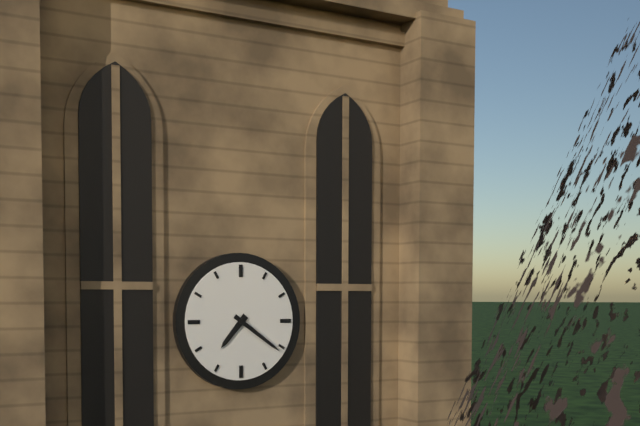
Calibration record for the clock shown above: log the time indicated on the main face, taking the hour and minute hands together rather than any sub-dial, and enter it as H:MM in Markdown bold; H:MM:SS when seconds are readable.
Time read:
**7:21**
